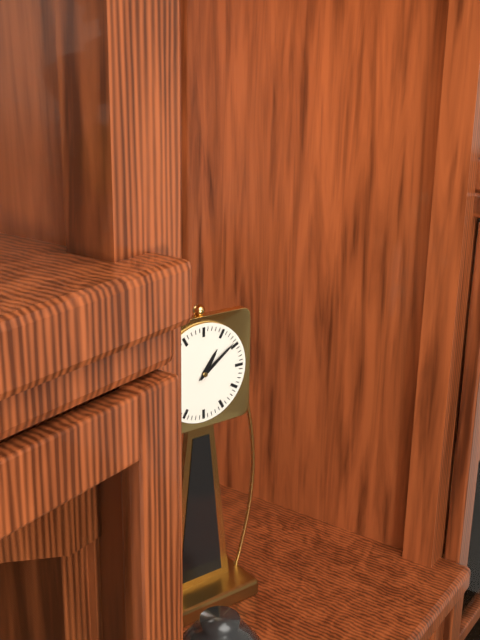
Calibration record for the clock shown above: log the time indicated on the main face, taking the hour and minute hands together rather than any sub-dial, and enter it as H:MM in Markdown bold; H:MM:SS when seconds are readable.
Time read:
**1:09**
